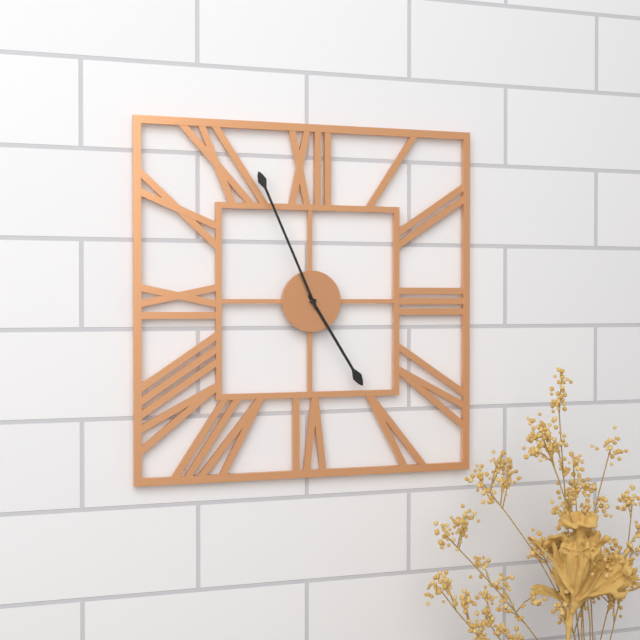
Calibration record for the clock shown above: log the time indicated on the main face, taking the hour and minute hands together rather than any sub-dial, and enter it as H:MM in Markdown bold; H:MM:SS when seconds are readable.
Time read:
**4:56**
